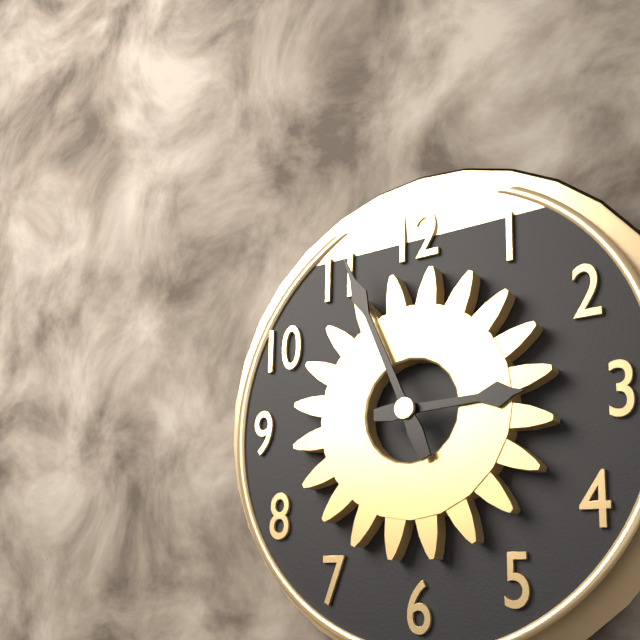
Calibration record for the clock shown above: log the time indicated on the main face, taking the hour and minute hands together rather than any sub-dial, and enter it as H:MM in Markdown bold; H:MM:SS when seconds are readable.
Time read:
**2:56**
